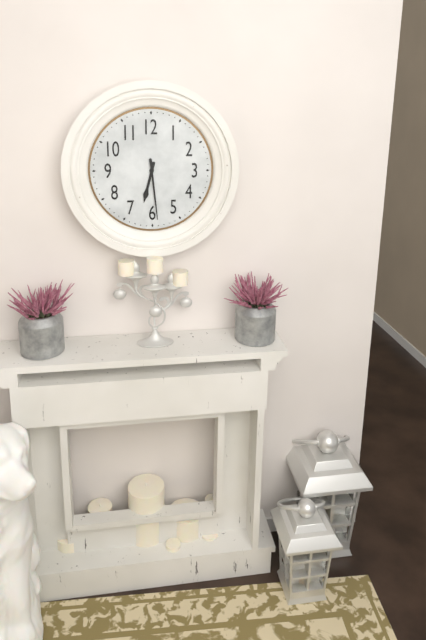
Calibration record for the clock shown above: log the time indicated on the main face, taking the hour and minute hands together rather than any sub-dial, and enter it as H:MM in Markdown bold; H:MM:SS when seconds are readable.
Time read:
**6:29**
